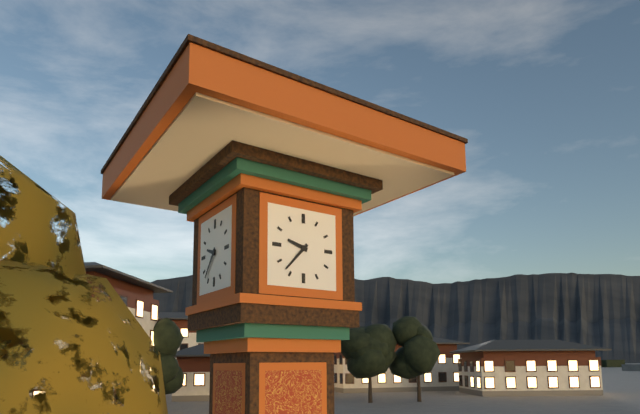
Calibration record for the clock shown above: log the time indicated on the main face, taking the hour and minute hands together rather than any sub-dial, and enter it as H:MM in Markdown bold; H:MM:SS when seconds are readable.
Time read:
**9:37**
